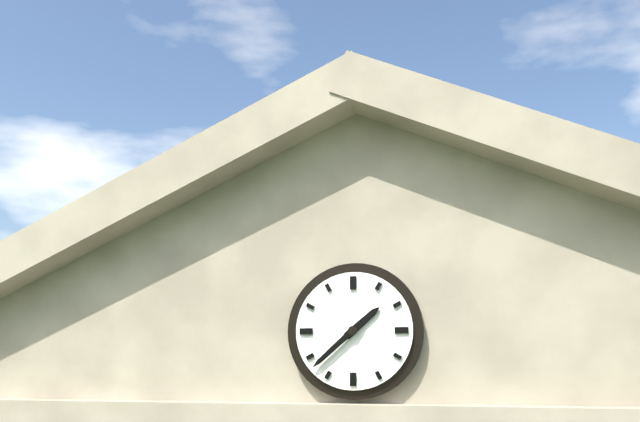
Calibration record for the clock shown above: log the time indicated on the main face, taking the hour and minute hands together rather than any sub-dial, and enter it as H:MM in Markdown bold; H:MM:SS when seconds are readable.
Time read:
**1:38**
